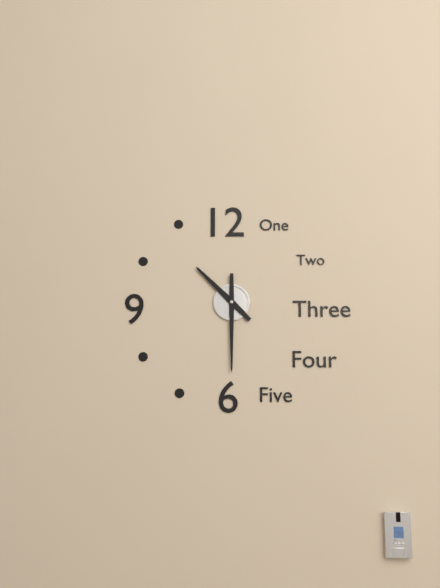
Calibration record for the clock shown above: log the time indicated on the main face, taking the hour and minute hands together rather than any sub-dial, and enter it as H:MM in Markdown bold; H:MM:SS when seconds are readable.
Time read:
**10:30**
